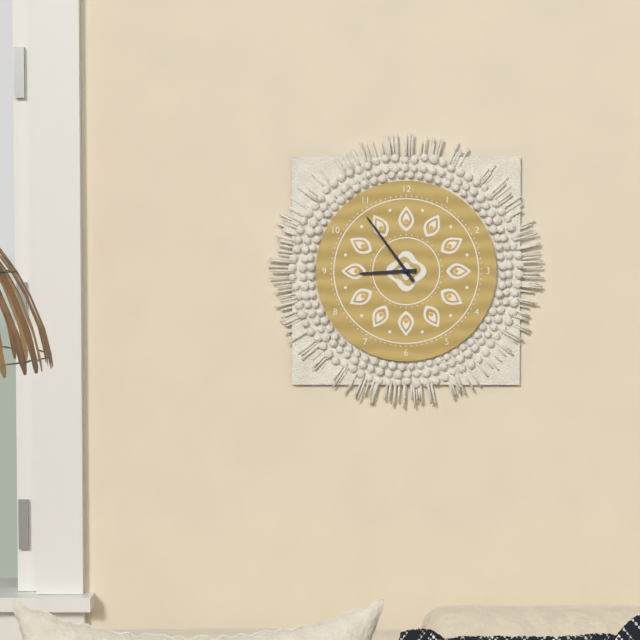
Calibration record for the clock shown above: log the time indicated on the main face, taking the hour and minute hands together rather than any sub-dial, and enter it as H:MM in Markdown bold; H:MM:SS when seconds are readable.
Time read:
**8:54**
